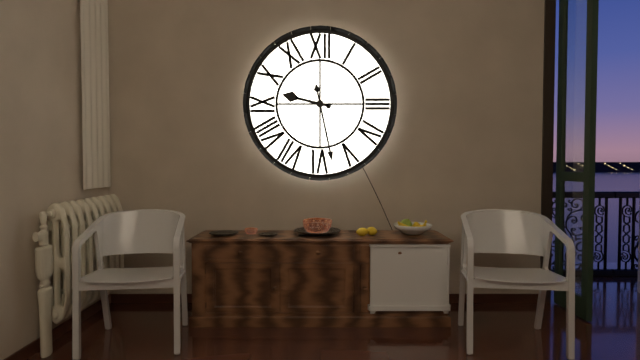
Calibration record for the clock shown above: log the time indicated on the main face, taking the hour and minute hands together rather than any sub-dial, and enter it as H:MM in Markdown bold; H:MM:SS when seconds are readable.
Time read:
**9:28**
